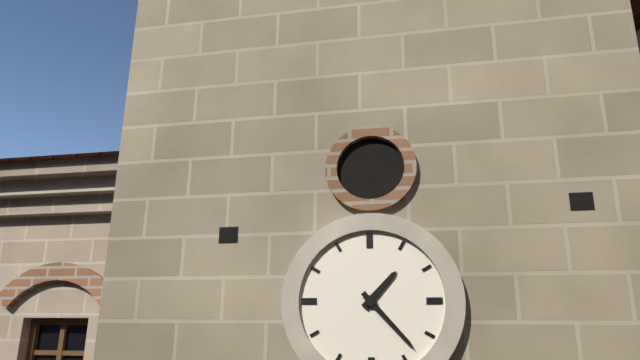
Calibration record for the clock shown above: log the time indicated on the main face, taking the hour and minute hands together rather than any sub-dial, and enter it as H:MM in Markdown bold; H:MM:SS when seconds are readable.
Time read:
**1:23**
